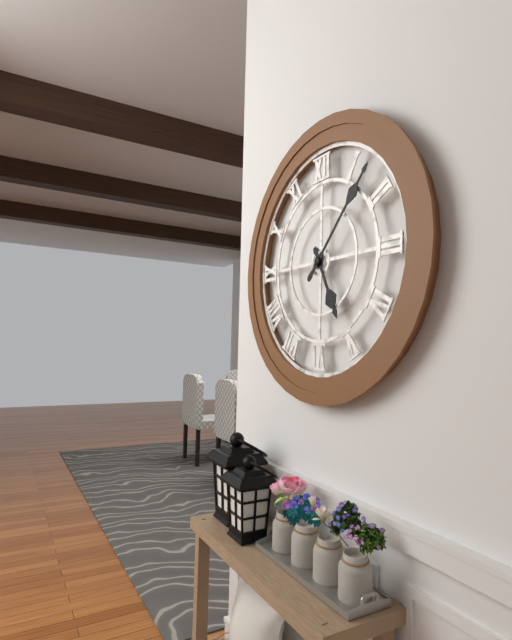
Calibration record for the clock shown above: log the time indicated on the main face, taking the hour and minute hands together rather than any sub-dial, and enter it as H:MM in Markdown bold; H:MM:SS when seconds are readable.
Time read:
**5:07**
